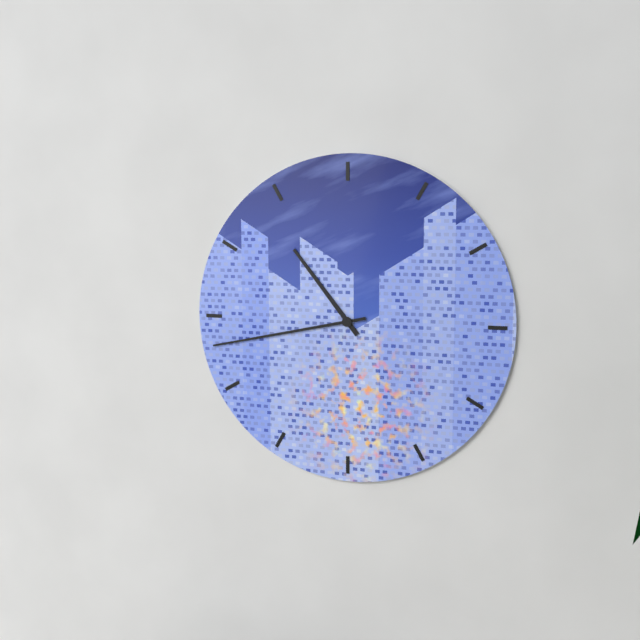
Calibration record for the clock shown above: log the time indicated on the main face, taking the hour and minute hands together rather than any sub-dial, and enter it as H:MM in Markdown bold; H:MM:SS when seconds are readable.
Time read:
**10:43**
